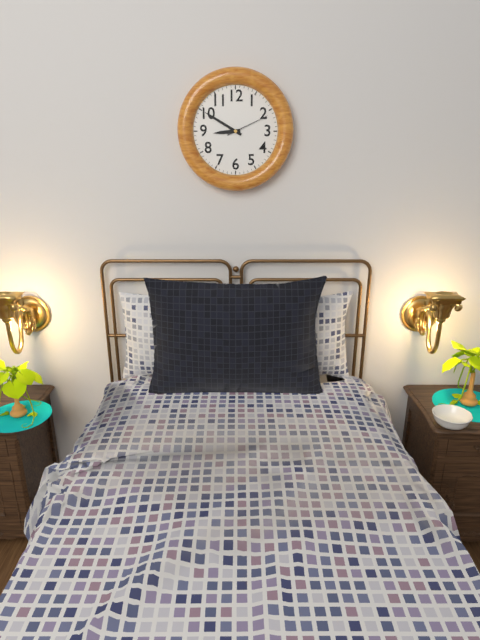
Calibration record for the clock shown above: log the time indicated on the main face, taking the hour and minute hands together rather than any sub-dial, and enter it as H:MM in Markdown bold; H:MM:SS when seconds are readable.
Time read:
**8:50**
